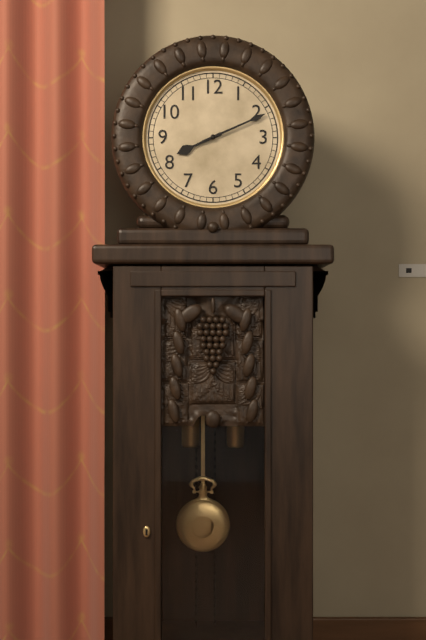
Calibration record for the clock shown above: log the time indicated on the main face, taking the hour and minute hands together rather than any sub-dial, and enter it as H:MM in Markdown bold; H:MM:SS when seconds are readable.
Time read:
**8:11**
